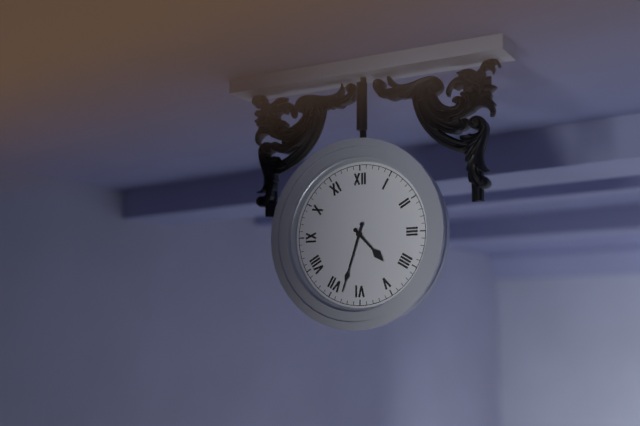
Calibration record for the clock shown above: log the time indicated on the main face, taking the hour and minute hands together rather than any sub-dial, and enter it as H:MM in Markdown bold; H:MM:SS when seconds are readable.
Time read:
**4:33**
